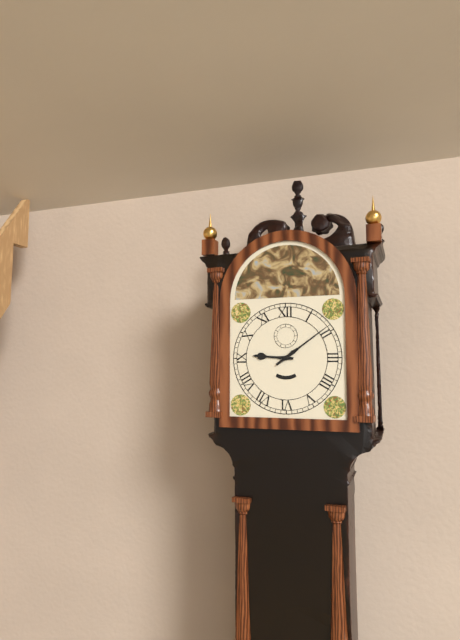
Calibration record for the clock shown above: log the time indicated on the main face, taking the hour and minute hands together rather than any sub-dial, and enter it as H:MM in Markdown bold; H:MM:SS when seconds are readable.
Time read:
**9:09**
